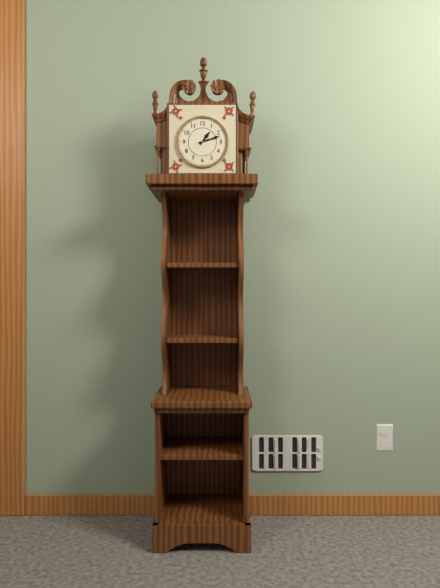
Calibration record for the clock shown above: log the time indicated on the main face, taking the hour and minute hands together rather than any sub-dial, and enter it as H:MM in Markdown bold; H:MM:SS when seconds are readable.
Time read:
**1:12**
